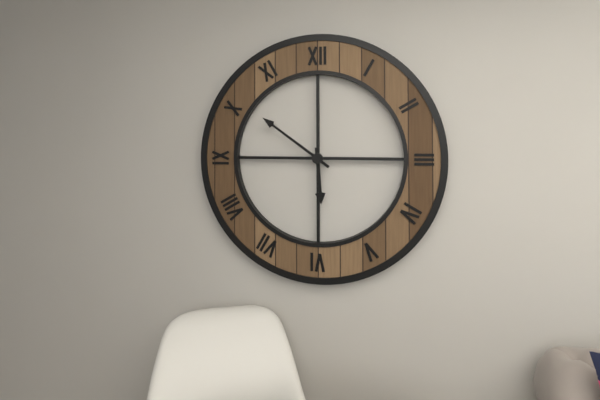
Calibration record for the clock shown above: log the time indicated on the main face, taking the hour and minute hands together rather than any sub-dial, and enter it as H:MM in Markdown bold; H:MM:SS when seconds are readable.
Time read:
**5:51**
